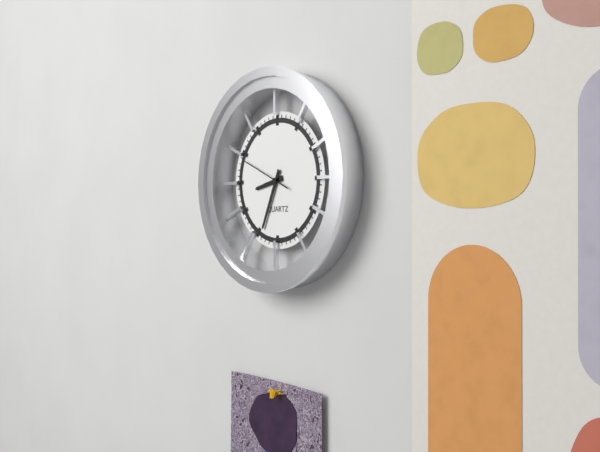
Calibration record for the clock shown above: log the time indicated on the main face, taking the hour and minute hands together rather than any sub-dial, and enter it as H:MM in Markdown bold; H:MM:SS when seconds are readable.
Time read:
**8:34**
